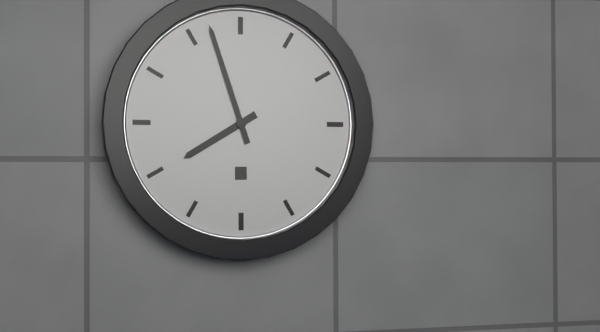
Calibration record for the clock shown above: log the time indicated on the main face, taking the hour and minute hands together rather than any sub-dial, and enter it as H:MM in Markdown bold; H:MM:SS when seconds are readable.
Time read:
**7:57**
